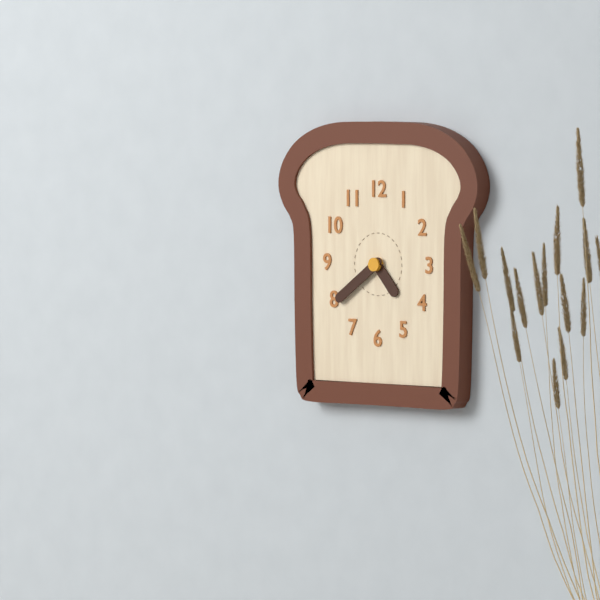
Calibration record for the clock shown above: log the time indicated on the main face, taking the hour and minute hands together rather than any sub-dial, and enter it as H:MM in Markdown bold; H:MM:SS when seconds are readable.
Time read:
**4:39**
